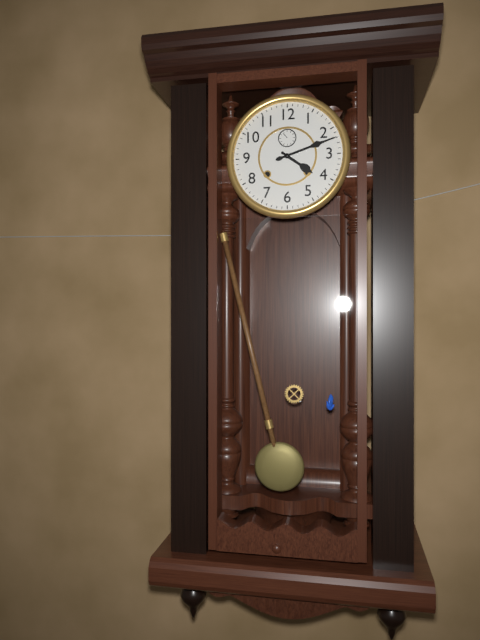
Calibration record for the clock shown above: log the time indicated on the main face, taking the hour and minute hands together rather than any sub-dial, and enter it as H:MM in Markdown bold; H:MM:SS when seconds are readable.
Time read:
**4:12**
